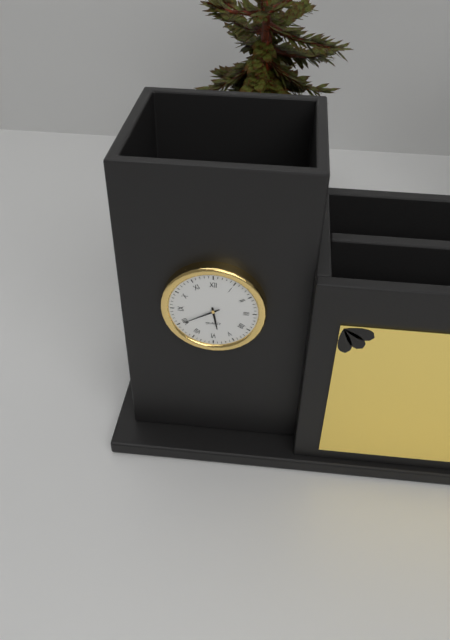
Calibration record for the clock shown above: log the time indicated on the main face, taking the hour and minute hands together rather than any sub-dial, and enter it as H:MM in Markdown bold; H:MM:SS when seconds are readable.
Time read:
**5:40**
